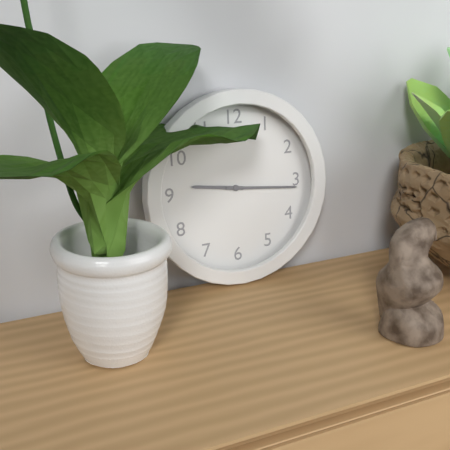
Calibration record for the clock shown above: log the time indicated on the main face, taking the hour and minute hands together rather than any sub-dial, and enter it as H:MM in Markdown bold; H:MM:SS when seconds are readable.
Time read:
**9:16**
